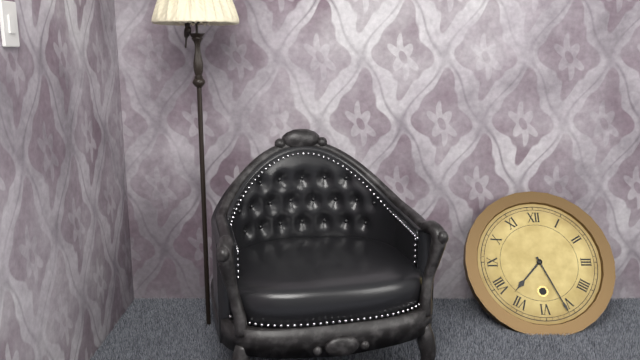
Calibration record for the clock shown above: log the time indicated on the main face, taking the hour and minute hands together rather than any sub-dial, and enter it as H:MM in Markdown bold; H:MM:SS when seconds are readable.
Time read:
**7:26**
